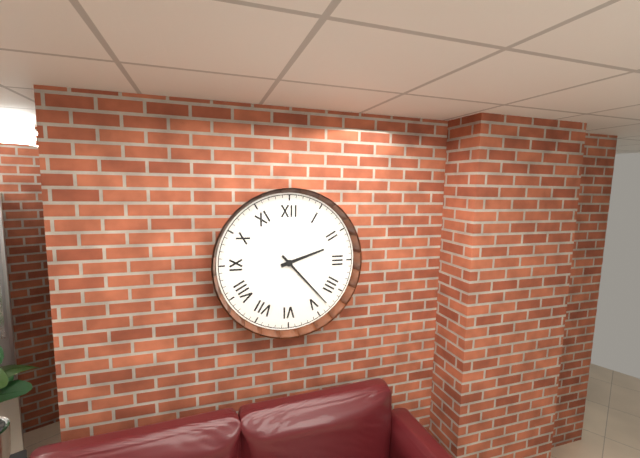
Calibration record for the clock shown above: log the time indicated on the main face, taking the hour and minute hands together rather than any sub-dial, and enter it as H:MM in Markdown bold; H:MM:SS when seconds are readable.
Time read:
**2:23**
